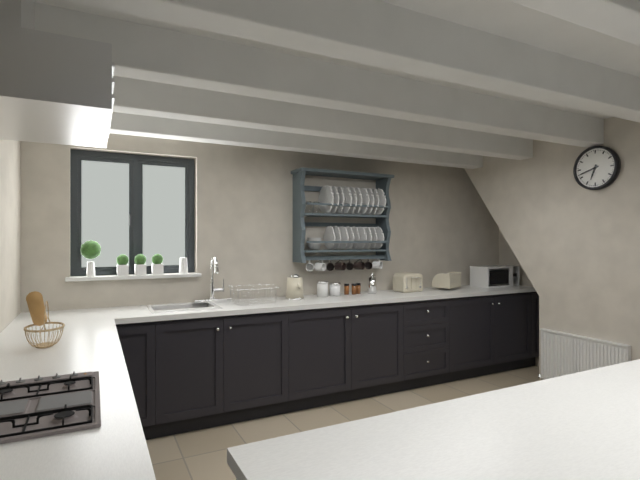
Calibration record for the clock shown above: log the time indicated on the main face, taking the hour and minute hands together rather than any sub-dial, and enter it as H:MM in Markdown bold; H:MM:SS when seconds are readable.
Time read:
**6:42**
